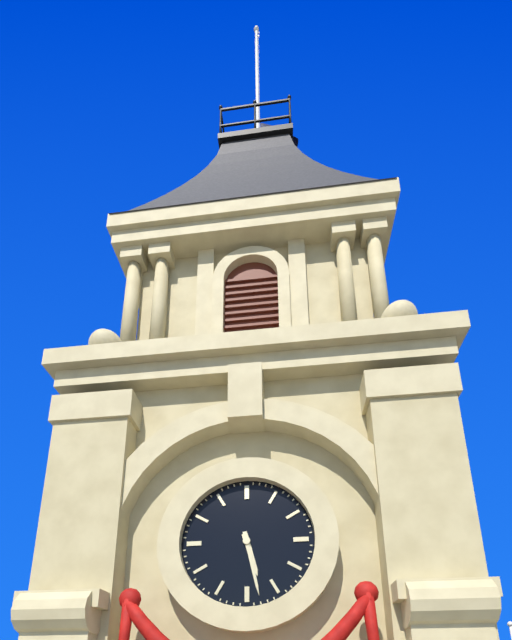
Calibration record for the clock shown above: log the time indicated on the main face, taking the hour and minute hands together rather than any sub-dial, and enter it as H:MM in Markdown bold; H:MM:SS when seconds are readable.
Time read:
**5:28**
